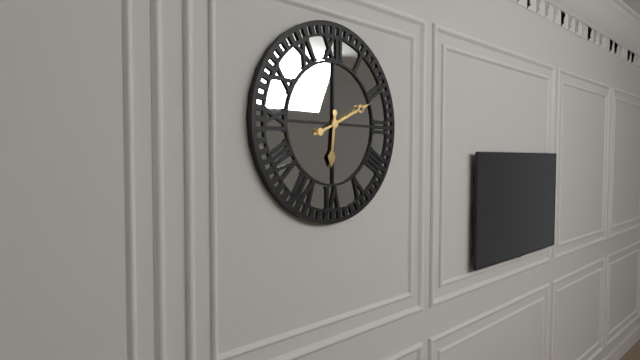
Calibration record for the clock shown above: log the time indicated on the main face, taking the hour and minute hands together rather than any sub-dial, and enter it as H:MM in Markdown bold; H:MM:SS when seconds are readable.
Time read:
**6:11**
